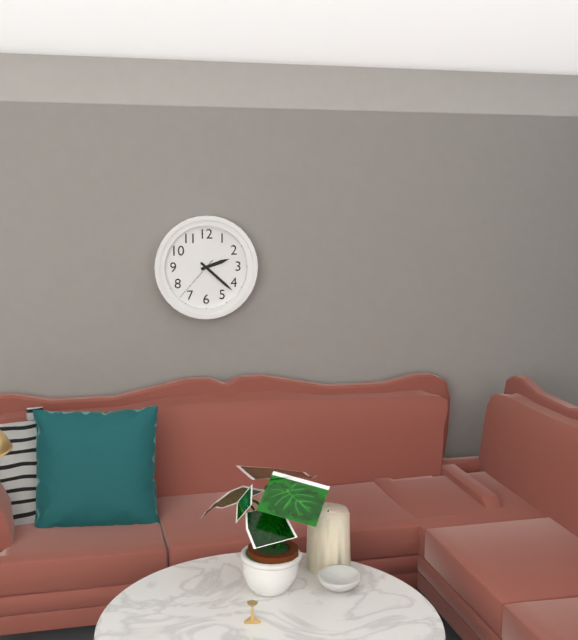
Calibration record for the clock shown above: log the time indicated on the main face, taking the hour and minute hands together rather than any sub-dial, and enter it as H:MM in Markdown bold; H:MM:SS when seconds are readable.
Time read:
**2:22**
